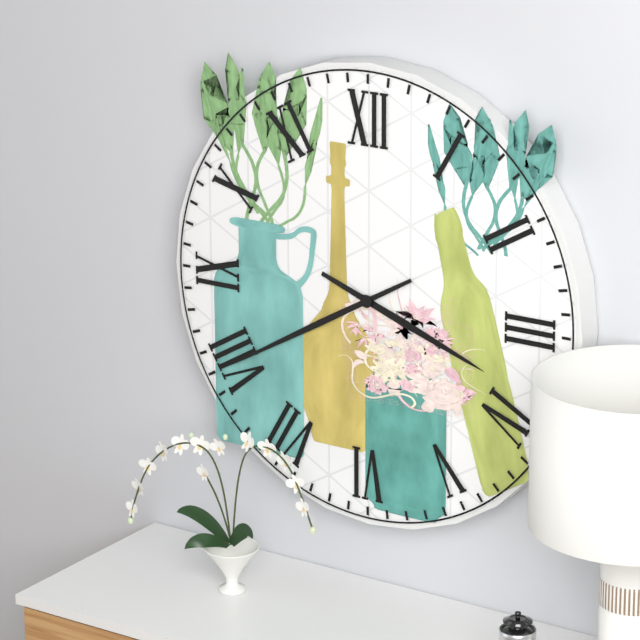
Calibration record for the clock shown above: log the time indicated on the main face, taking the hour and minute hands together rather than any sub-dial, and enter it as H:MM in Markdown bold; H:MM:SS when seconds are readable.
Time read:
**3:40**
